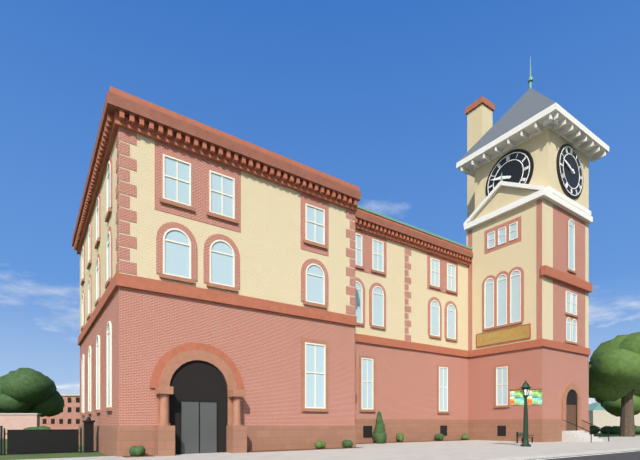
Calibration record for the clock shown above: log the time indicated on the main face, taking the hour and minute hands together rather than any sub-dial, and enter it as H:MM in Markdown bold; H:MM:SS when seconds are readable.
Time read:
**9:48**
